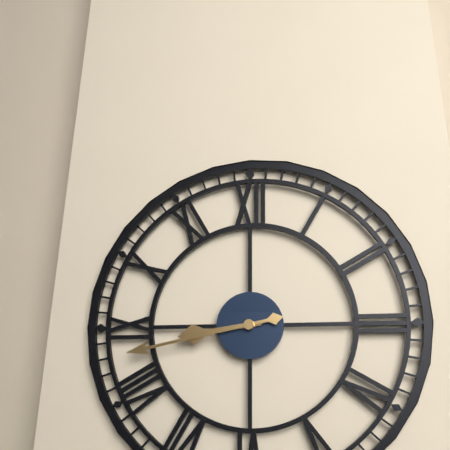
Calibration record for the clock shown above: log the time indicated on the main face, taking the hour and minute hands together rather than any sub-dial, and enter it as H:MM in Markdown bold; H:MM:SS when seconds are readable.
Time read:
**8:43**
